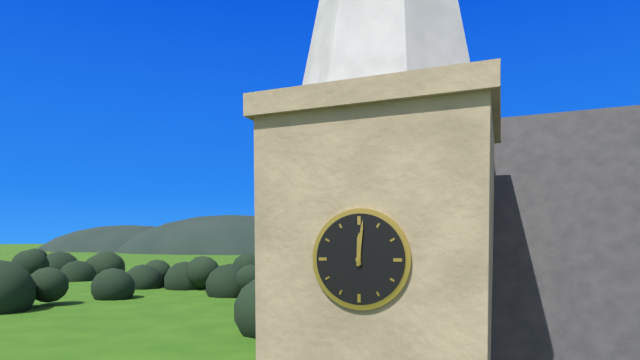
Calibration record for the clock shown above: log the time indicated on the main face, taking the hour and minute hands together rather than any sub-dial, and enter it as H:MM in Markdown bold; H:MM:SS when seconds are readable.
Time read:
**12:01**
